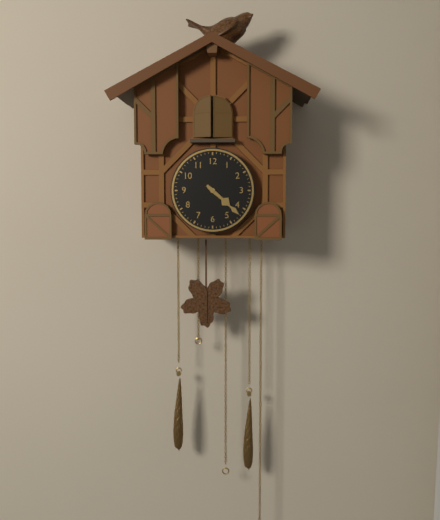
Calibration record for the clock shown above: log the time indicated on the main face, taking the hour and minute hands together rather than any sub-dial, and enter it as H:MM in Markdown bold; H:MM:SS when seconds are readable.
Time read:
**4:22**
